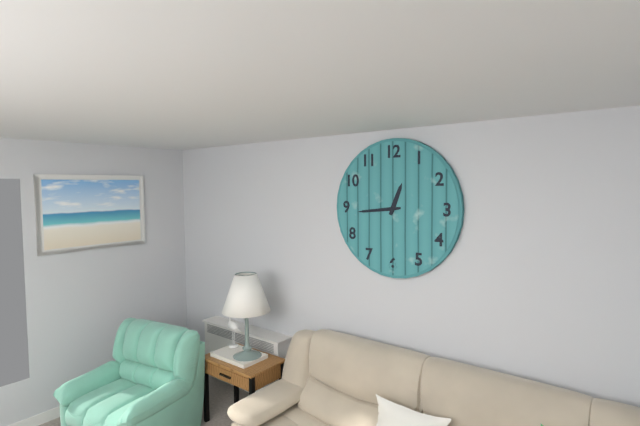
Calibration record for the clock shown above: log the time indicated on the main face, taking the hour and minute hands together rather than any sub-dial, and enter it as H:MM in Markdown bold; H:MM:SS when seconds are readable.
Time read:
**12:44**
